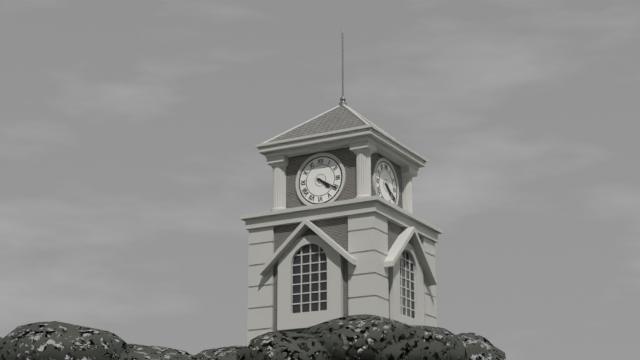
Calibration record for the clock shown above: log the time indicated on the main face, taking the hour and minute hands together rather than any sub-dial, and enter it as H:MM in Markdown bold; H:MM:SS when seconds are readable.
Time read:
**4:20**
